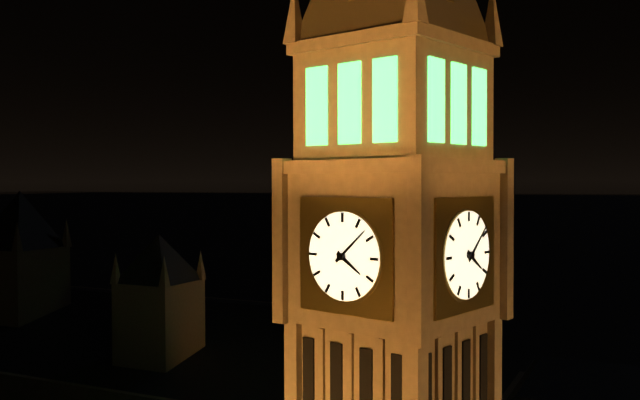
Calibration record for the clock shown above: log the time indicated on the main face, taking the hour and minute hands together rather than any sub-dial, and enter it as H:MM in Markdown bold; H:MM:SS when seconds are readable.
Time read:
**4:08**
